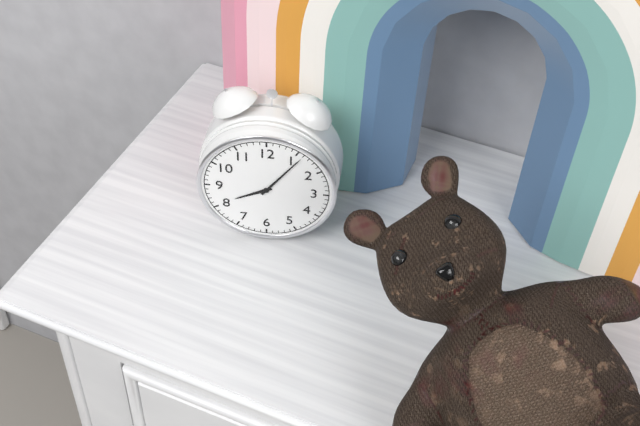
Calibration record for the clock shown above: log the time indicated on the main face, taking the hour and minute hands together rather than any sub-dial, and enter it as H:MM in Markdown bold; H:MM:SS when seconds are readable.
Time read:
**8:06**
